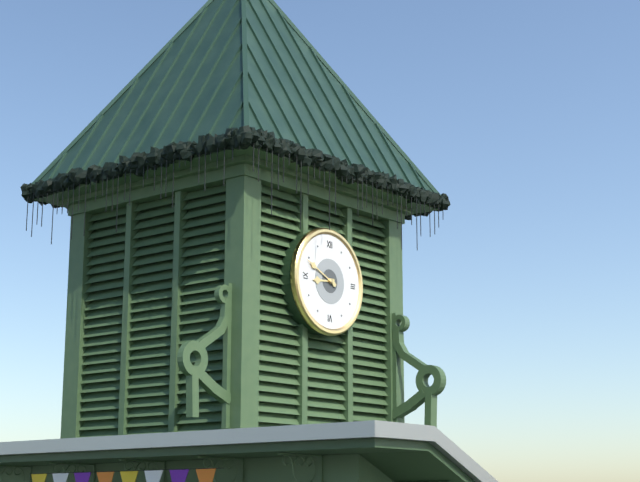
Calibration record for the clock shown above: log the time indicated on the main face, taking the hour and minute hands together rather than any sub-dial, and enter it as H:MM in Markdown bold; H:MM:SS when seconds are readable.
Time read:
**8:49**
